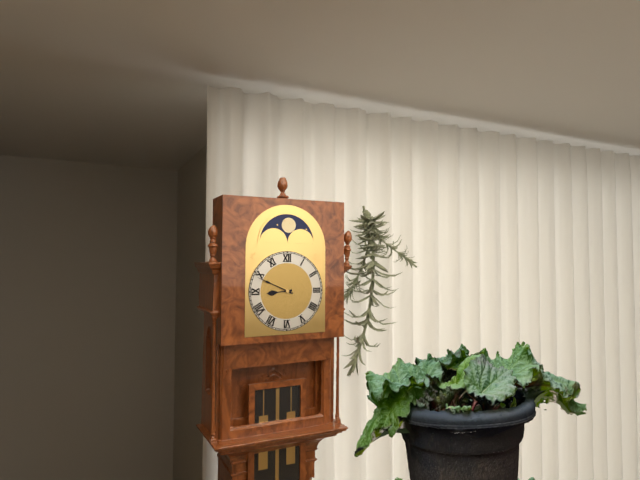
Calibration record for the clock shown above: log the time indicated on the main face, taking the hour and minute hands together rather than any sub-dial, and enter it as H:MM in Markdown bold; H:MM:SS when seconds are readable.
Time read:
**8:49**
